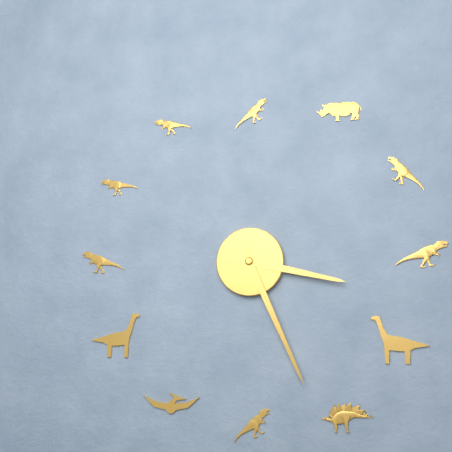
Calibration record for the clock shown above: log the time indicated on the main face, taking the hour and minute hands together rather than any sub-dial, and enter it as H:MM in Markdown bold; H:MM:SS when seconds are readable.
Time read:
**3:26**
